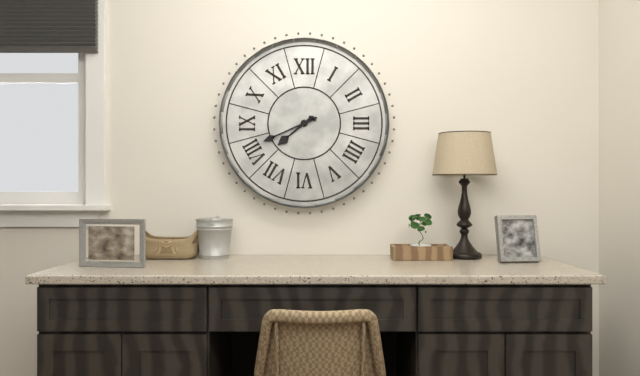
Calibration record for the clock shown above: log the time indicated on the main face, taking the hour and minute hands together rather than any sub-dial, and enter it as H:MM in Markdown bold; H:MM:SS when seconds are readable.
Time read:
**7:41**
